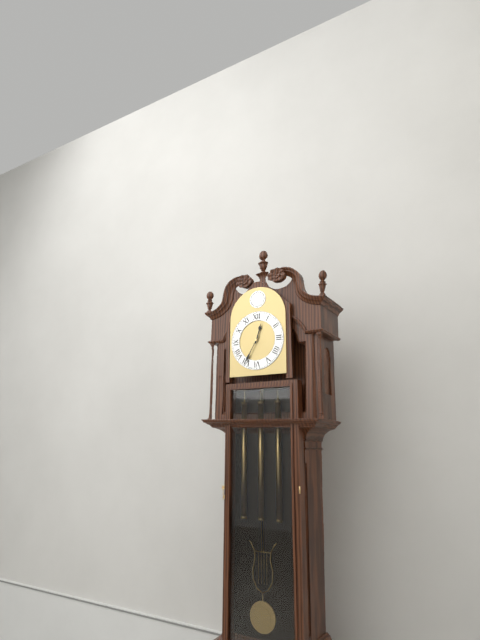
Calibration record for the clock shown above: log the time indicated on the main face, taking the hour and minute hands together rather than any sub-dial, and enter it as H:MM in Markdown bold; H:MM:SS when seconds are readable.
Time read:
**12:35**
